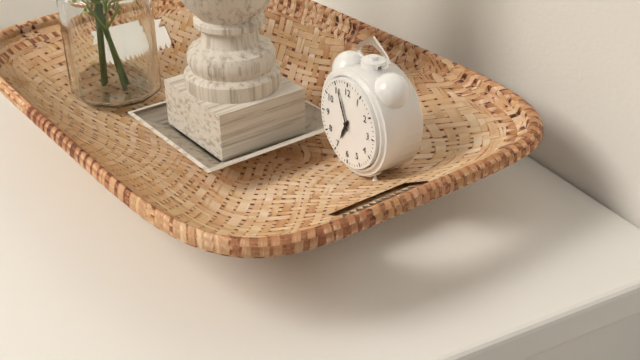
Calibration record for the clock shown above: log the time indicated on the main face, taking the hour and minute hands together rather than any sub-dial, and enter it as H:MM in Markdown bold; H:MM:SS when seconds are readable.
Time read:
**6:56**
